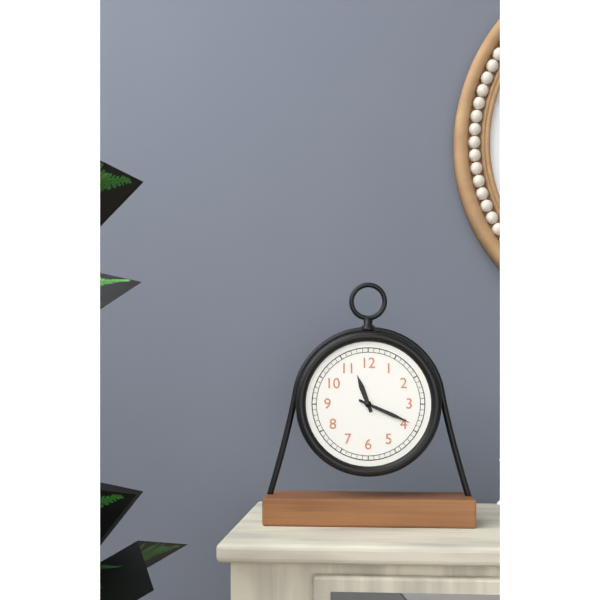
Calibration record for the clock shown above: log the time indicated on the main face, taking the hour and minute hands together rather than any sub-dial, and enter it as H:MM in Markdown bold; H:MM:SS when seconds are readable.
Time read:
**11:19**
